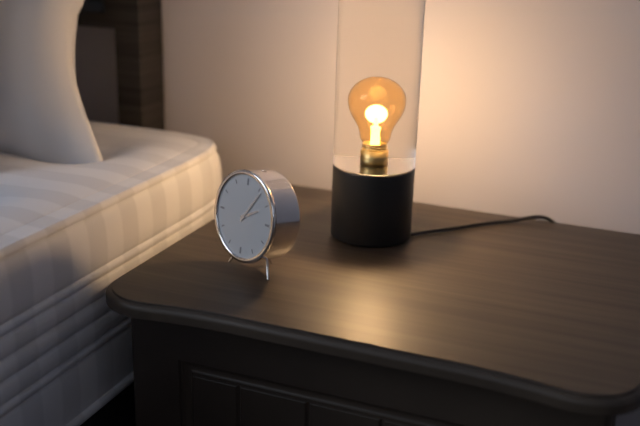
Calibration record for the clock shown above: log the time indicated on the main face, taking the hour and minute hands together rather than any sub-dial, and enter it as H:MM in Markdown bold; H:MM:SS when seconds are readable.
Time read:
**2:06**
